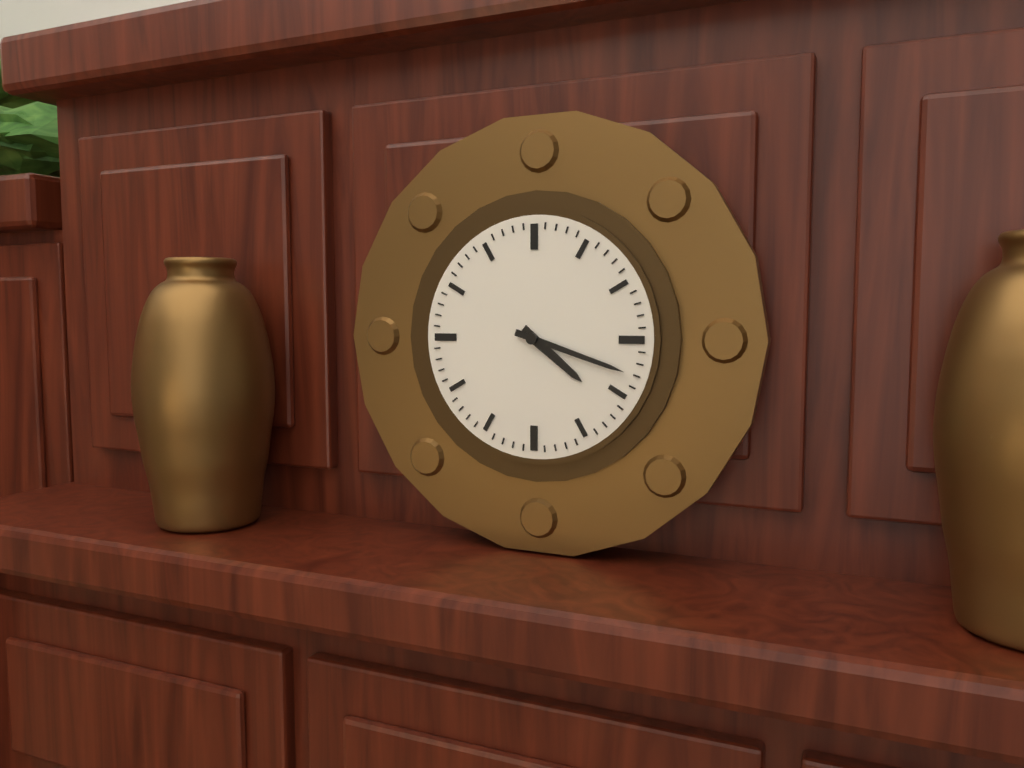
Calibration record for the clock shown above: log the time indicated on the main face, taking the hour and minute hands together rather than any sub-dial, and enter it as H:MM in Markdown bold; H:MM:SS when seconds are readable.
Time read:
**4:18**
